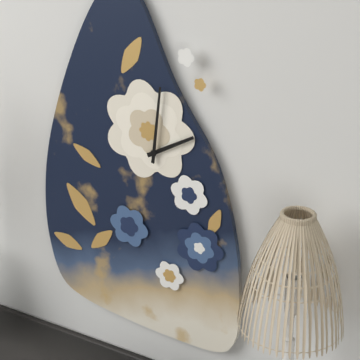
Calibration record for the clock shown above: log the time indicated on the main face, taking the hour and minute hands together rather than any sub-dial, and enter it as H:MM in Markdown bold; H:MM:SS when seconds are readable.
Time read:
**2:01**
